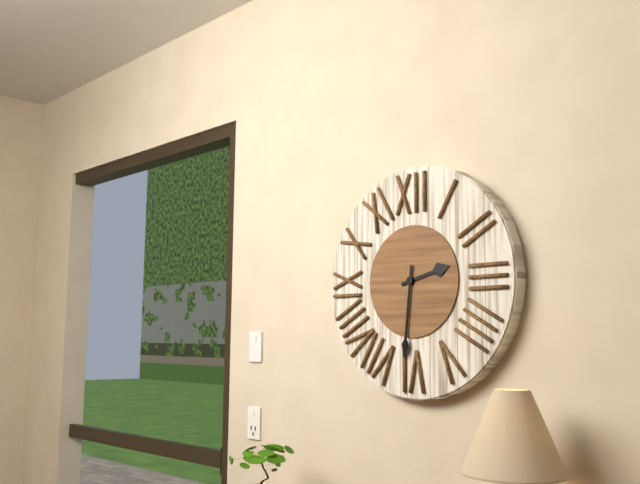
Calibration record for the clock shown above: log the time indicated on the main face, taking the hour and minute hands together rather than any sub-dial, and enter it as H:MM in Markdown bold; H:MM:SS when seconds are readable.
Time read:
**2:31**
